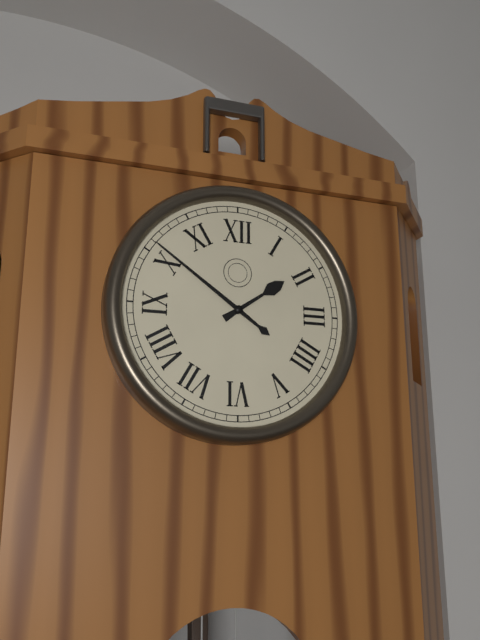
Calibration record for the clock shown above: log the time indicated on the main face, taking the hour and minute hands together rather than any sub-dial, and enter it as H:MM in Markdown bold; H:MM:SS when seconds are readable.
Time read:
**1:51**
